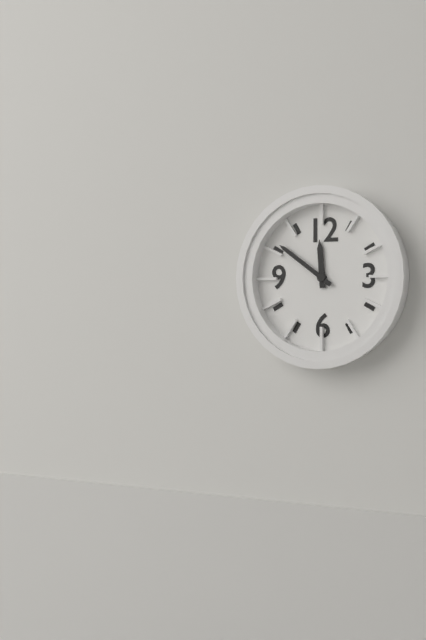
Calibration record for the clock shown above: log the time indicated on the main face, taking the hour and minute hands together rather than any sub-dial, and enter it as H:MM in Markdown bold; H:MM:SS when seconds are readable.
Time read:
**11:51**
